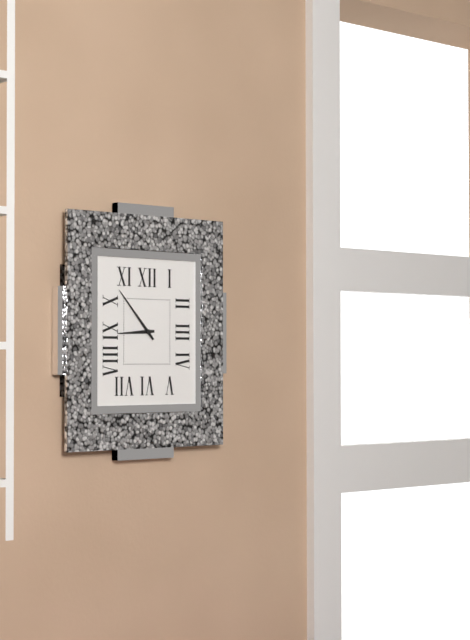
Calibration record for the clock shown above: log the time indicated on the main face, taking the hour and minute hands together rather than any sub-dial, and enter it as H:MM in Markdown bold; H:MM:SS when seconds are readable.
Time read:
**8:53**
